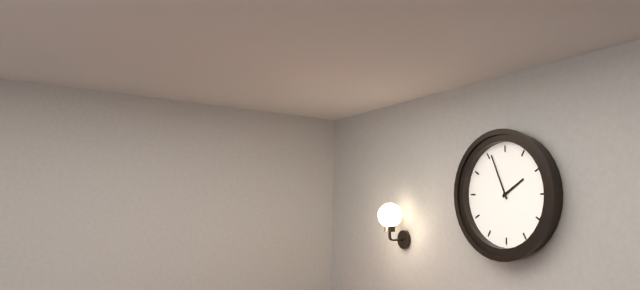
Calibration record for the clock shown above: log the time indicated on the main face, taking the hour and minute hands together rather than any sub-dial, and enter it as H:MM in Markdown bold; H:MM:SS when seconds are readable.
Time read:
**1:56**
